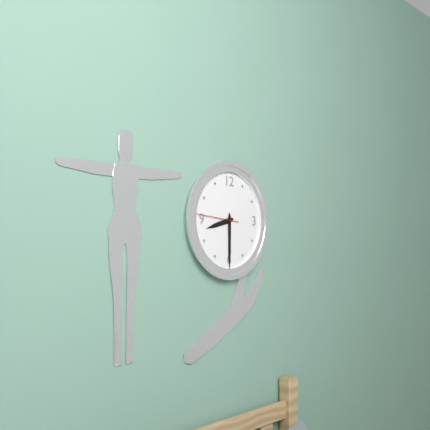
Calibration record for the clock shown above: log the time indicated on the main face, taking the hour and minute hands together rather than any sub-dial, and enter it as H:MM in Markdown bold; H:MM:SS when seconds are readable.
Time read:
**8:30**
